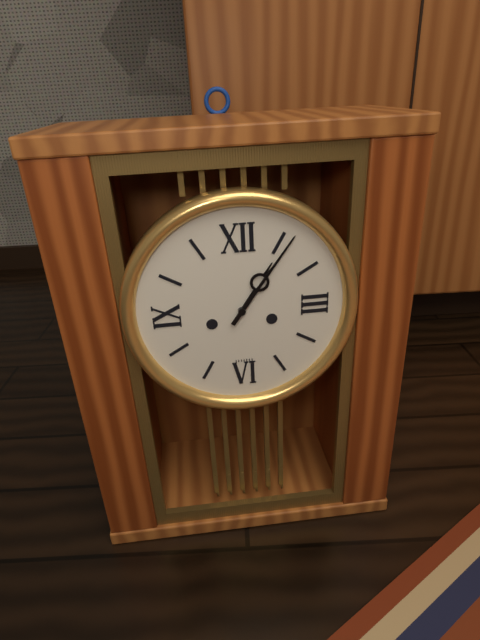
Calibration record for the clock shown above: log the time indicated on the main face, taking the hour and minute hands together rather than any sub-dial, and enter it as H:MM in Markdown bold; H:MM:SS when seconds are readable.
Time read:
**1:06**
